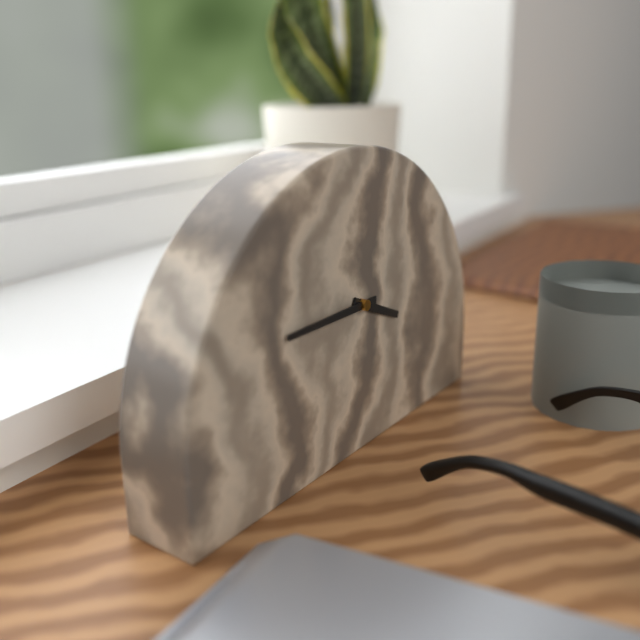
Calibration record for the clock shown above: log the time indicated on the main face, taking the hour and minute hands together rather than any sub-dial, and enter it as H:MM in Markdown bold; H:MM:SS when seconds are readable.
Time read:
**3:45**
